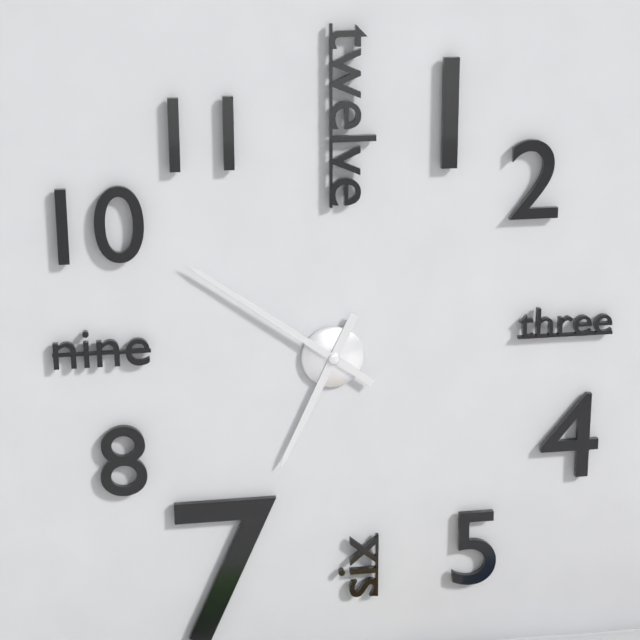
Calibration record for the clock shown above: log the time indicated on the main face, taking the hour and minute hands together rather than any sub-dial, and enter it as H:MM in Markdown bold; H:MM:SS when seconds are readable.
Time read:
**6:51**
